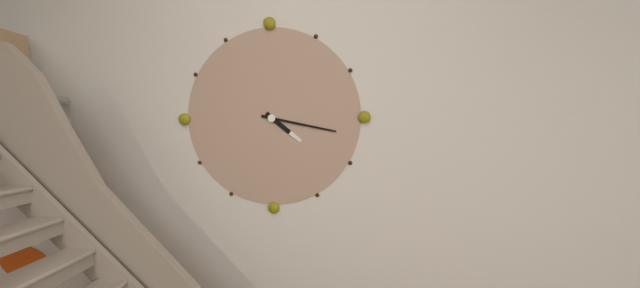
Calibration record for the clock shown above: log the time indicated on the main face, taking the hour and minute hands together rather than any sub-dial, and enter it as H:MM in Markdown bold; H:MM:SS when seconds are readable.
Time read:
**4:17**
